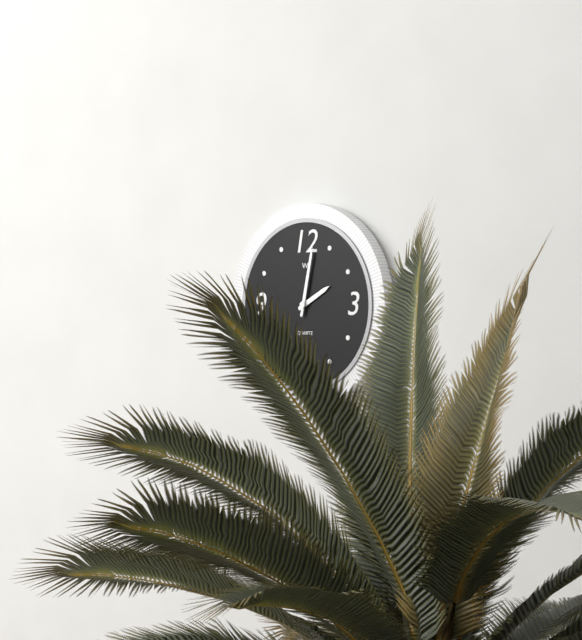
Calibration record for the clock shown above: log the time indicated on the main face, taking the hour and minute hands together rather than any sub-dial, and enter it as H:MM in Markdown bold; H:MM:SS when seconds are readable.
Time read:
**2:02**
